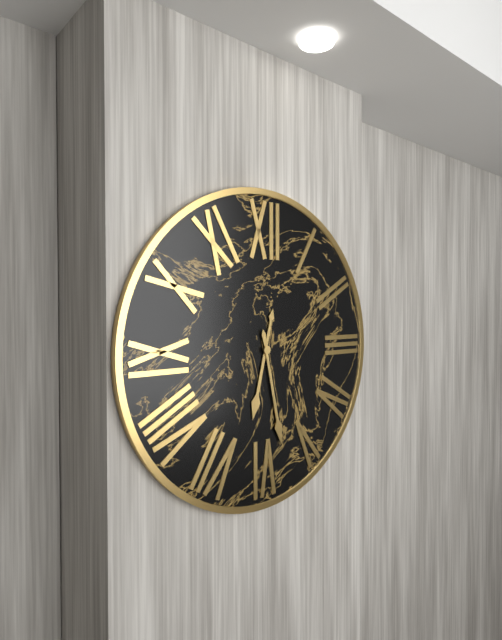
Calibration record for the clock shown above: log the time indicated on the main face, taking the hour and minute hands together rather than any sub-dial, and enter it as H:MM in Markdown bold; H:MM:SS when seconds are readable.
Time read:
**6:28**
